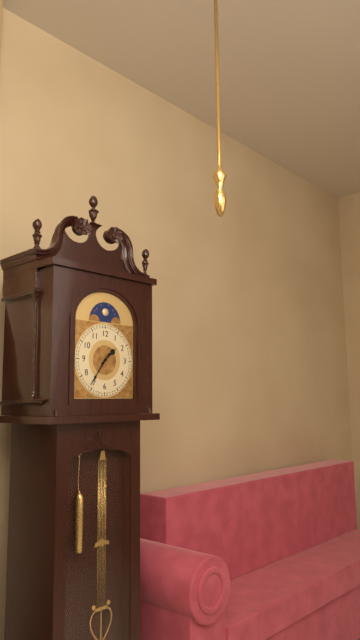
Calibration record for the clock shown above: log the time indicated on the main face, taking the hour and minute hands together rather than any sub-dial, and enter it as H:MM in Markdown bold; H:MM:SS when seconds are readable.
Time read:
**1:36**
